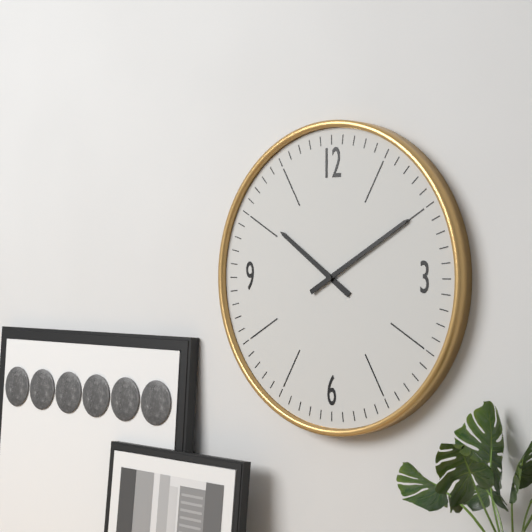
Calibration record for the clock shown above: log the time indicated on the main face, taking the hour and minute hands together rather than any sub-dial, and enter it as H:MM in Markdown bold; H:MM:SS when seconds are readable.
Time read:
**10:10**
